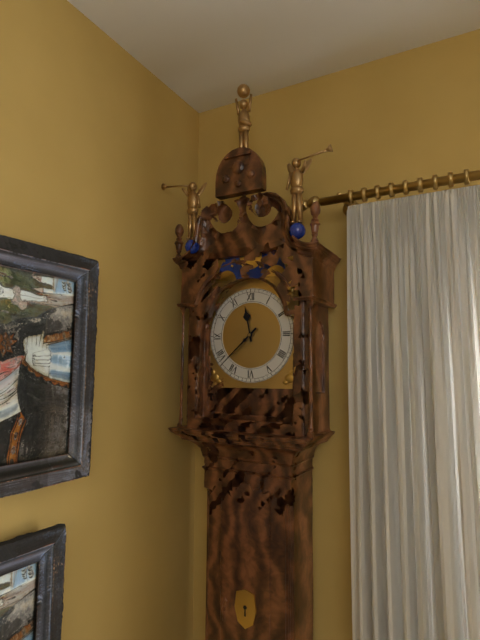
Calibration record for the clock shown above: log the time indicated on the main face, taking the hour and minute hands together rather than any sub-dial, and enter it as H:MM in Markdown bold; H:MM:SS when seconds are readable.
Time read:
**11:38**
